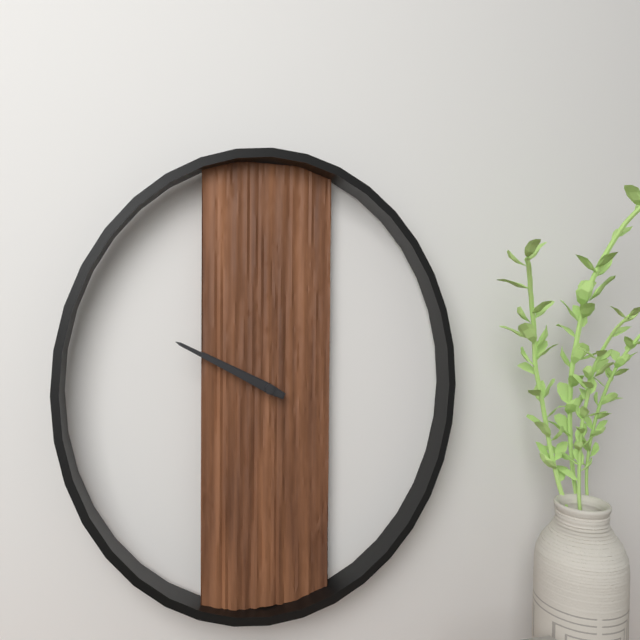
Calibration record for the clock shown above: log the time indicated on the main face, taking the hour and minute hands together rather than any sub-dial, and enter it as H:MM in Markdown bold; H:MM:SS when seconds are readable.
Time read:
**9:49**
